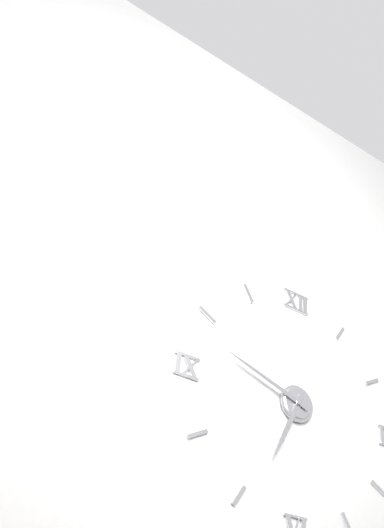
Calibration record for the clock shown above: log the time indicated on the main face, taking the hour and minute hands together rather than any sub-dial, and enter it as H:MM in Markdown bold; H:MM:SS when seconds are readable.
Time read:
**6:48**
